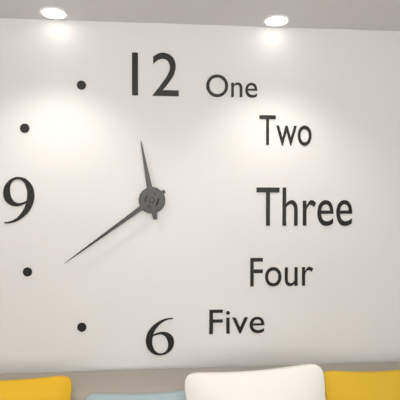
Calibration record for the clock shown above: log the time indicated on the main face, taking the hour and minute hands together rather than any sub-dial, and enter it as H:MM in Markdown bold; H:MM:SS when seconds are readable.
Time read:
**11:39**
